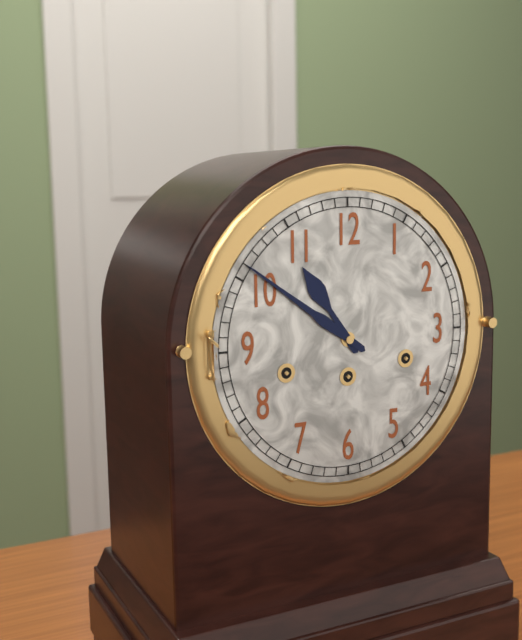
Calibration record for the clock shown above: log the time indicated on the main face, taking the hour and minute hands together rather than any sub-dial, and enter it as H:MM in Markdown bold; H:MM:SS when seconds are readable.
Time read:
**10:51**
